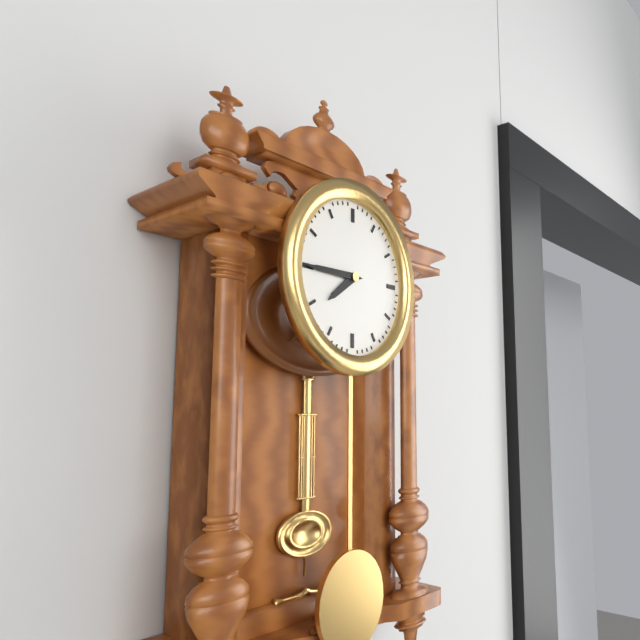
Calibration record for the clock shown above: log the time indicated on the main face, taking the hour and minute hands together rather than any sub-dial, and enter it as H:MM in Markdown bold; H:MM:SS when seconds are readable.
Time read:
**7:45**
